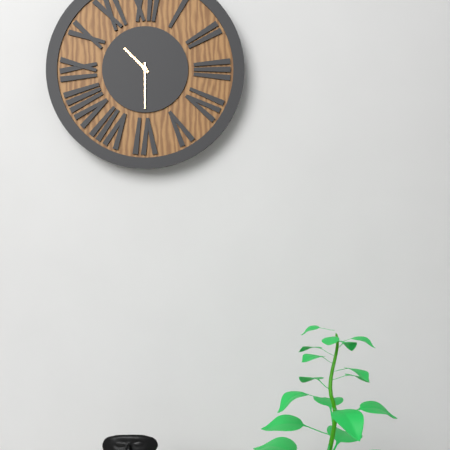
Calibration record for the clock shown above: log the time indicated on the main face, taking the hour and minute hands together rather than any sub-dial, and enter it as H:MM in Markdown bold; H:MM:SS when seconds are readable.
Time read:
**10:30**
